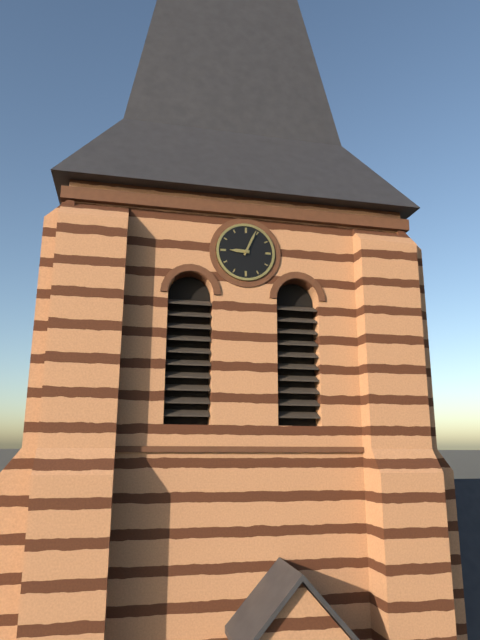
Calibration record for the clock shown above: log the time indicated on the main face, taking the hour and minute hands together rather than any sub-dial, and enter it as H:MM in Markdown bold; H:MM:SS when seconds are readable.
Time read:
**9:04**
